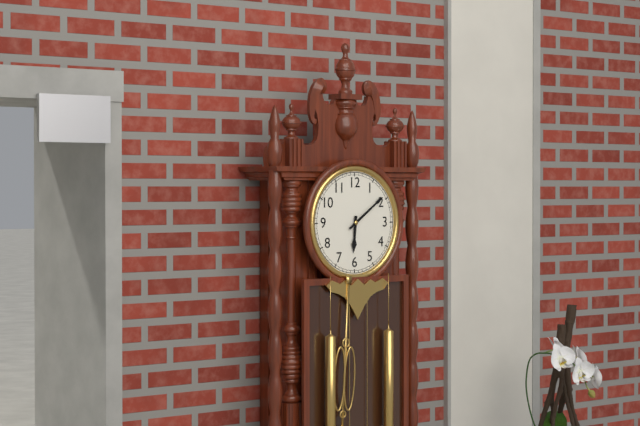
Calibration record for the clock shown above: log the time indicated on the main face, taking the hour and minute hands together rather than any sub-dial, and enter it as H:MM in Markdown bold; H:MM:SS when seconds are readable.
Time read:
**6:09**
